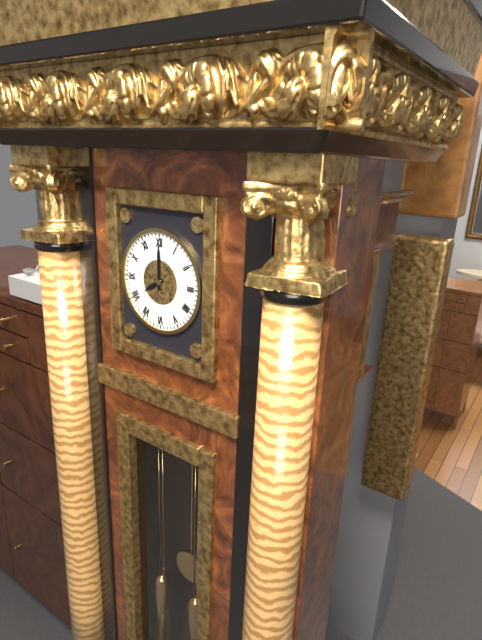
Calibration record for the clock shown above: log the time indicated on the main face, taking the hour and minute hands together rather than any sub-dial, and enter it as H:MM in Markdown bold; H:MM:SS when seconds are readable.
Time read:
**8:00**
